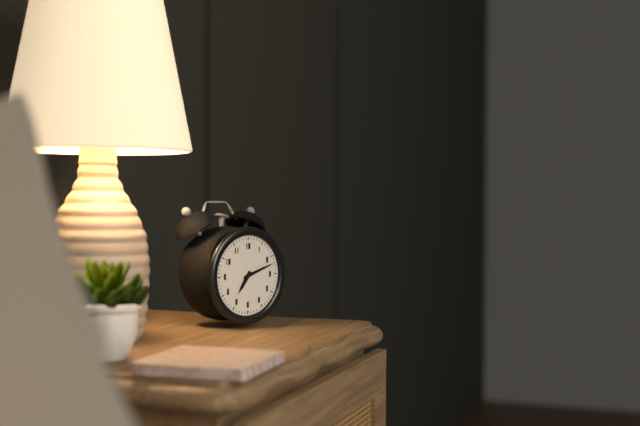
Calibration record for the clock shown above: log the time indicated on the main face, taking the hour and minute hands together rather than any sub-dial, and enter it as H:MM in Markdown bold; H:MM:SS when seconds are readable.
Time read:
**7:12**
